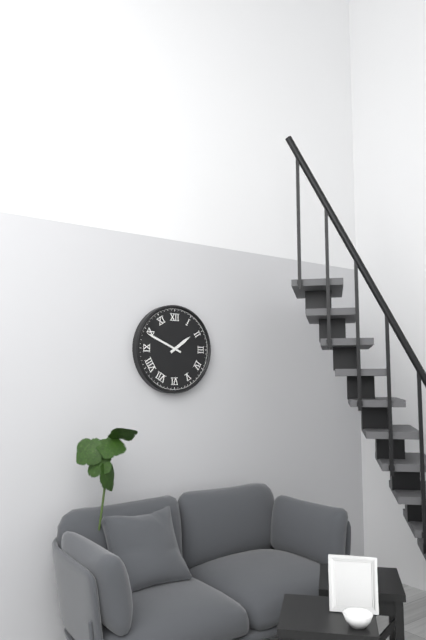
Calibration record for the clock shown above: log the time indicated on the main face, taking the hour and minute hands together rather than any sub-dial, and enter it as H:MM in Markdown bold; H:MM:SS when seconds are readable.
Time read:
**1:49**
